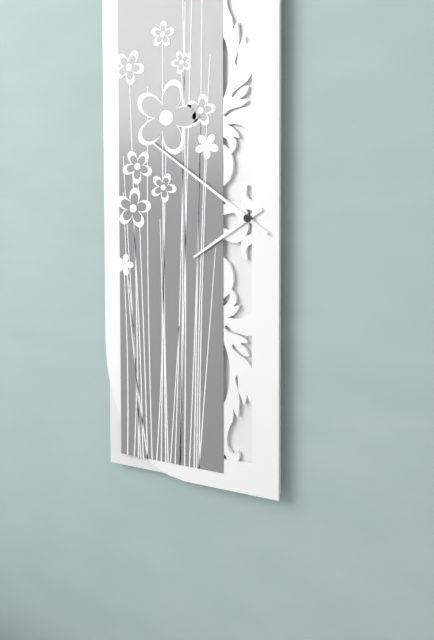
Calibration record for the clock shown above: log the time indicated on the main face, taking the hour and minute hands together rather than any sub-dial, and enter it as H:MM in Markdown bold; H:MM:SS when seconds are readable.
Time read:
**7:51**
